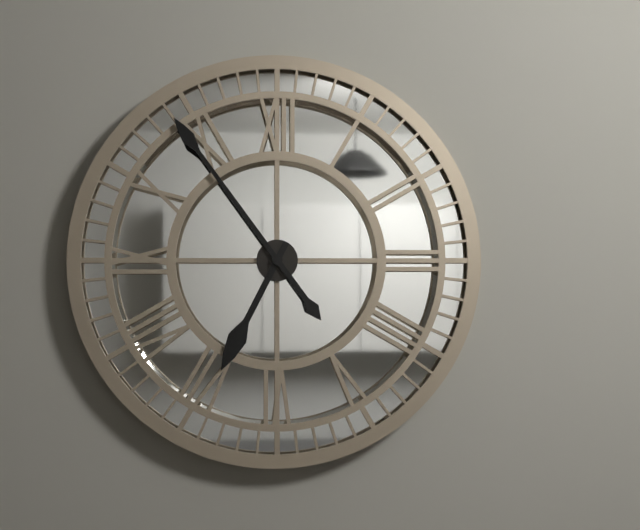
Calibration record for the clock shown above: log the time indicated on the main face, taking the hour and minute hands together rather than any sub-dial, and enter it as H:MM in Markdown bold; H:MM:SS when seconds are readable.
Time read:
**6:54**
